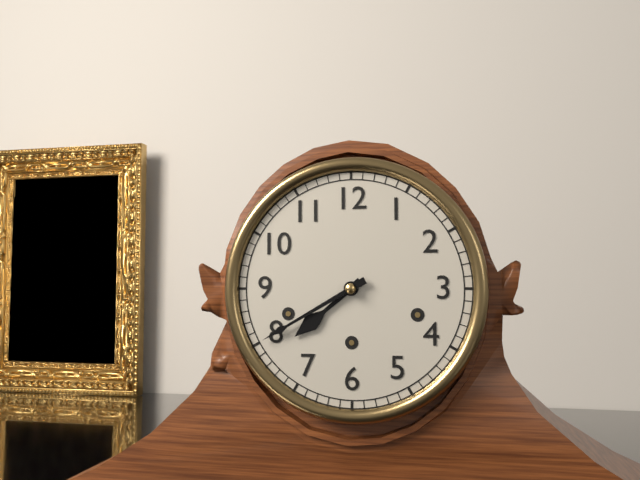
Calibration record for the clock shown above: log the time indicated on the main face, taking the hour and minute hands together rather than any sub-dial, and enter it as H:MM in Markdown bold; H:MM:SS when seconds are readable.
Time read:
**7:40**
